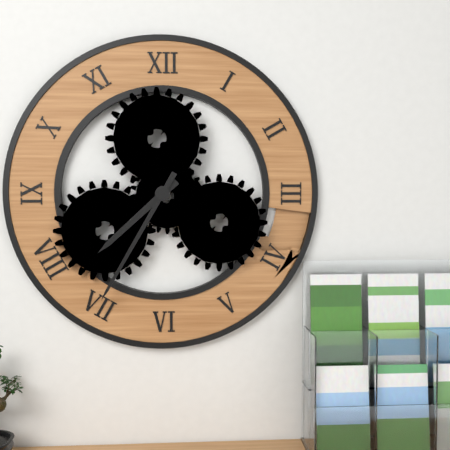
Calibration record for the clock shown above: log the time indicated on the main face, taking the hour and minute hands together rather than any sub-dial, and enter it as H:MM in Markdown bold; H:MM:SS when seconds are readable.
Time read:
**7:35**
